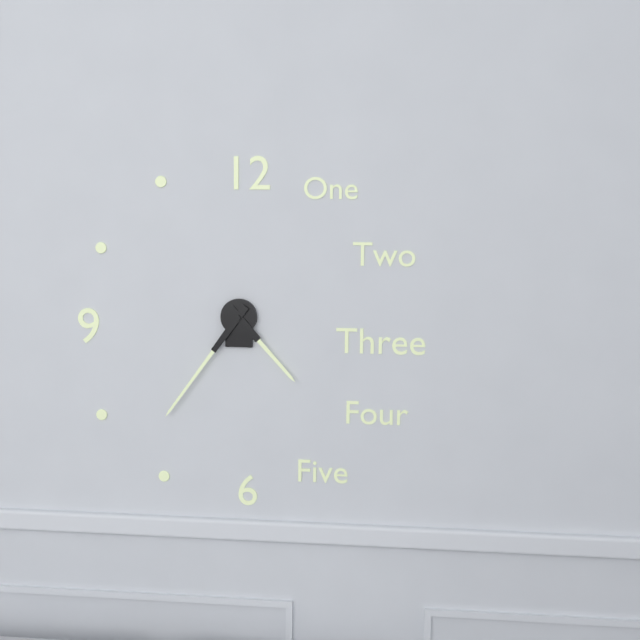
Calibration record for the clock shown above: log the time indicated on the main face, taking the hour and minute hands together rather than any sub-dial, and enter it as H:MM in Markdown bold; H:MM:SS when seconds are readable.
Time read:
**4:36**
